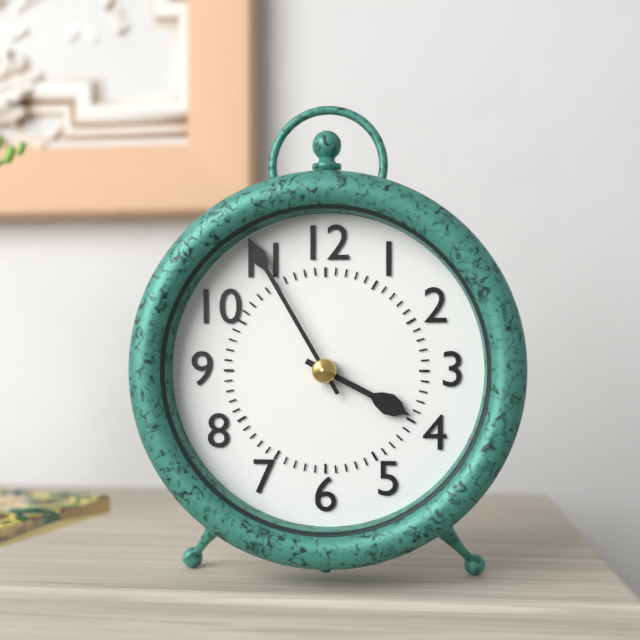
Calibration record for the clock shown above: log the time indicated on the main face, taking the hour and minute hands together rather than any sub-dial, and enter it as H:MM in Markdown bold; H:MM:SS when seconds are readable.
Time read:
**3:55**
